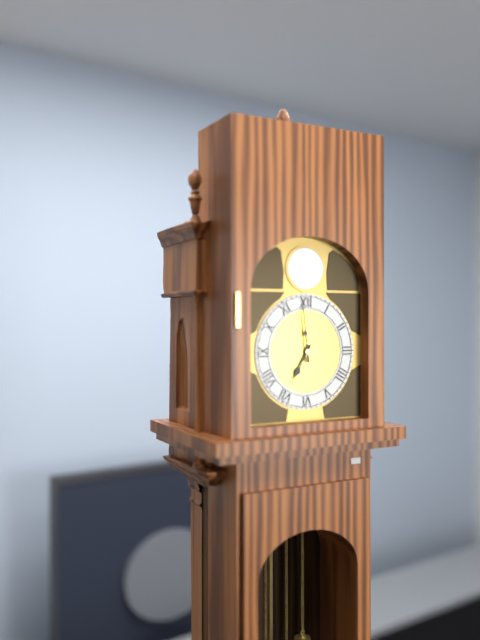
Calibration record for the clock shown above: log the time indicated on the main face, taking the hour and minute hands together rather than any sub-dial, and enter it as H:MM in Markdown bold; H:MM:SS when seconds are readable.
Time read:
**6:59**
